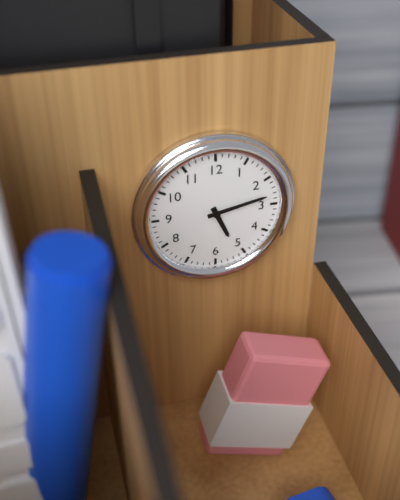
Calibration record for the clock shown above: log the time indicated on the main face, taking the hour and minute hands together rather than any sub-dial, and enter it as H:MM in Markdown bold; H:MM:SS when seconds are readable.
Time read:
**5:13**
